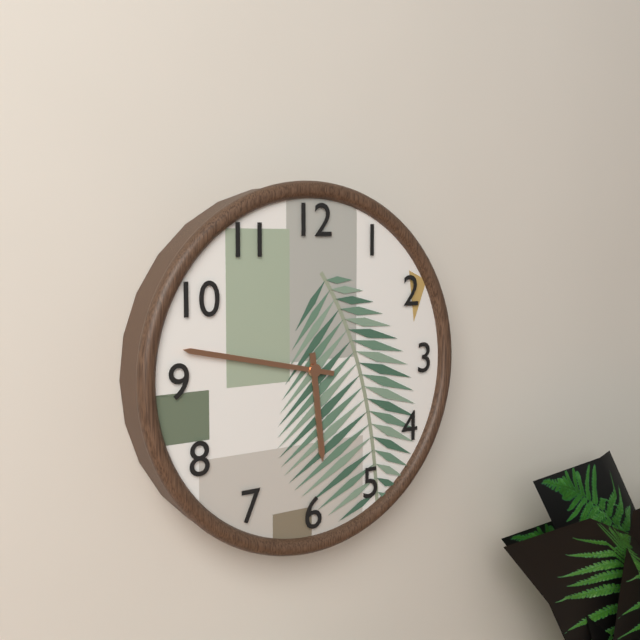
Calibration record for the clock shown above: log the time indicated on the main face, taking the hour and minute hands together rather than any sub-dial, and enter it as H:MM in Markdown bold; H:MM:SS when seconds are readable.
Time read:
**5:47**
